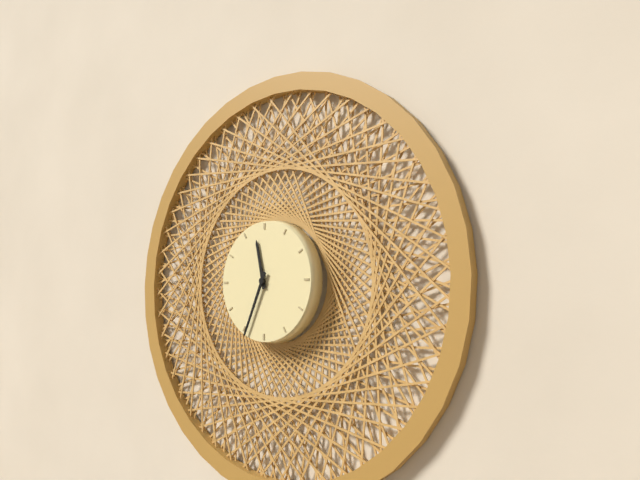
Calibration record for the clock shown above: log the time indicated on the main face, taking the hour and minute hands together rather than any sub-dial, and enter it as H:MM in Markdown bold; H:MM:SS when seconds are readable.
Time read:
**11:34**
